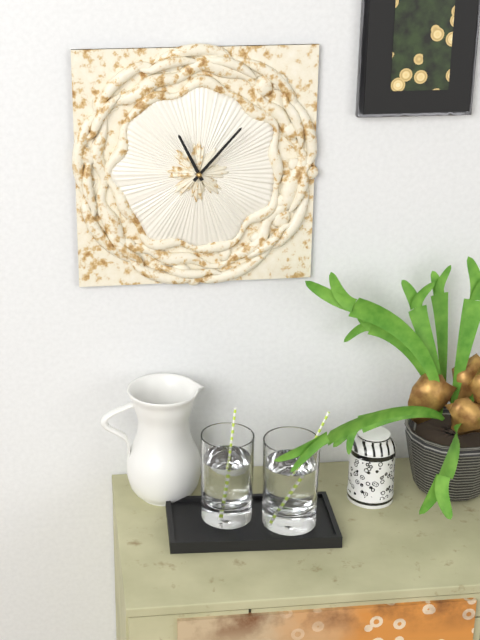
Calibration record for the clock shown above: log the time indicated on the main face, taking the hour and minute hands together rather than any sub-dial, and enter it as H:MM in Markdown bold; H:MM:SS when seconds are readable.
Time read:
**11:07**
